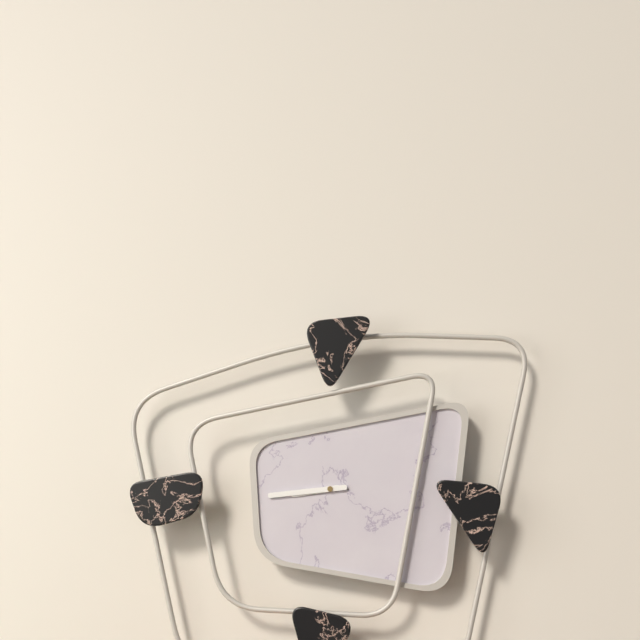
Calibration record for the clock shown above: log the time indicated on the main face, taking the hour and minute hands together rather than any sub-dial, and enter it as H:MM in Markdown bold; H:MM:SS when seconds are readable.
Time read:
**8:44**
